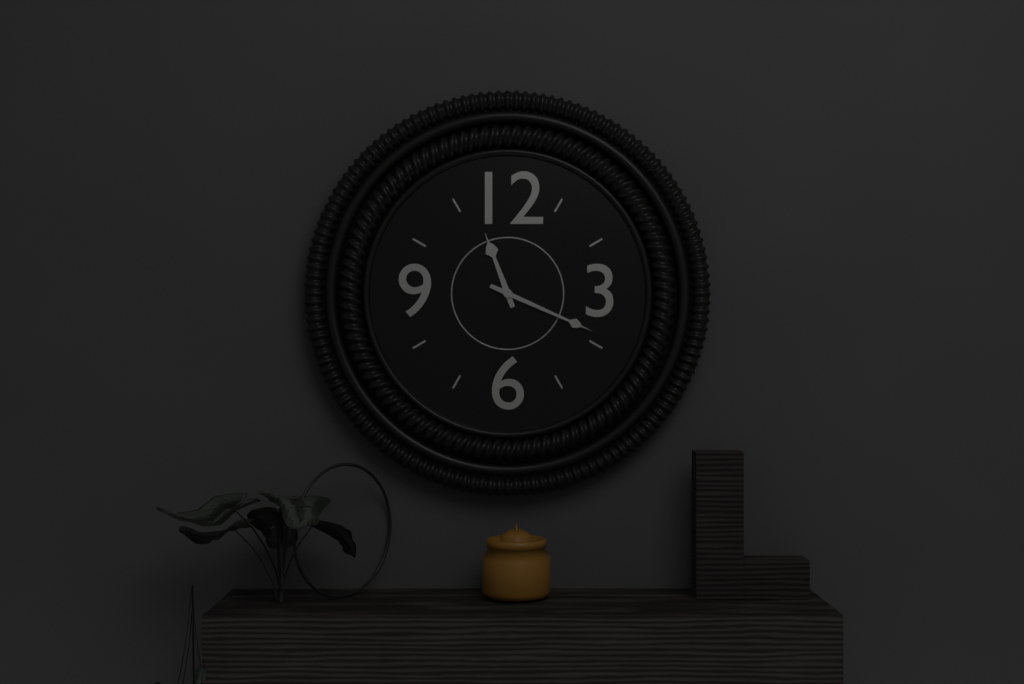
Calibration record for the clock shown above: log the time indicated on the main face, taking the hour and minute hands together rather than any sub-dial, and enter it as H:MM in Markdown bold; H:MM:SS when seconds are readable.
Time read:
**11:19**
